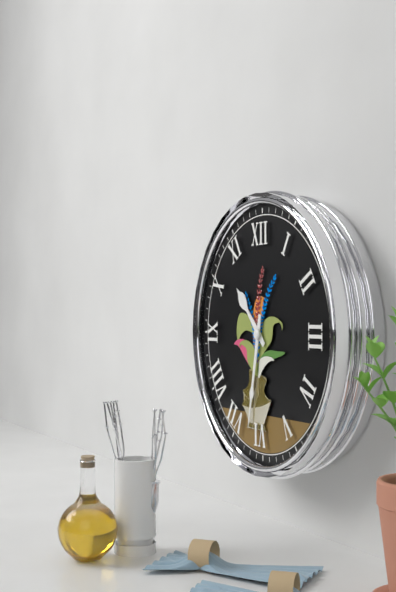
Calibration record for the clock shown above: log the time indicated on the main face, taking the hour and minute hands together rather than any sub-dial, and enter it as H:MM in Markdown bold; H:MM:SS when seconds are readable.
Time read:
**10:32**
